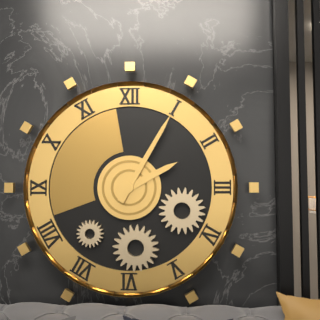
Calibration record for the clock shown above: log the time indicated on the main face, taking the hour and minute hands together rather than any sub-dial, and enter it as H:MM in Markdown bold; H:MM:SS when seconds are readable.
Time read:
**2:05**
